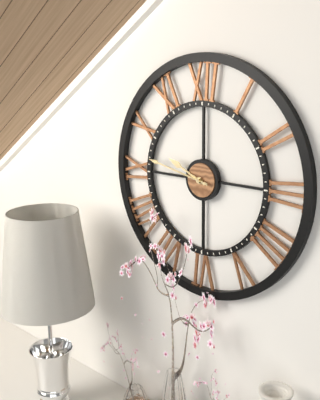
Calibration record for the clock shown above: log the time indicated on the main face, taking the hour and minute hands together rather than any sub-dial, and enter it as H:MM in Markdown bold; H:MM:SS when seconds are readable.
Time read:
**9:47**
